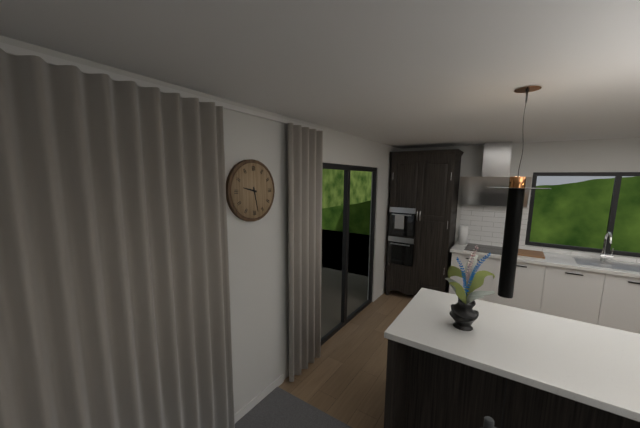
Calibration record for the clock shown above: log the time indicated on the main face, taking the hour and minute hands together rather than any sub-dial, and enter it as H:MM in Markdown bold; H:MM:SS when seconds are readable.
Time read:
**9:28**
